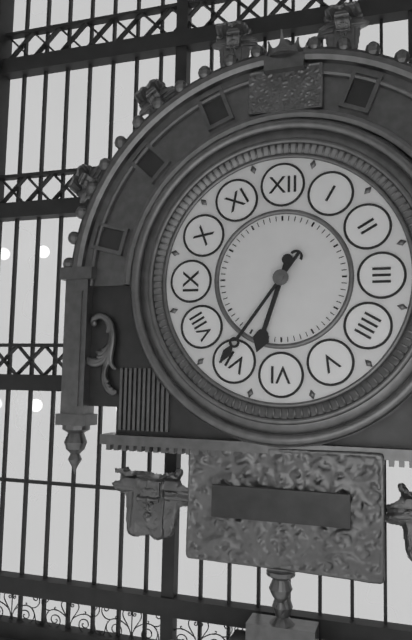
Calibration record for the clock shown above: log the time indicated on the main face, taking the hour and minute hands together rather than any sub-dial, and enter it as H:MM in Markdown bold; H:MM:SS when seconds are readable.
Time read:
**6:36**
